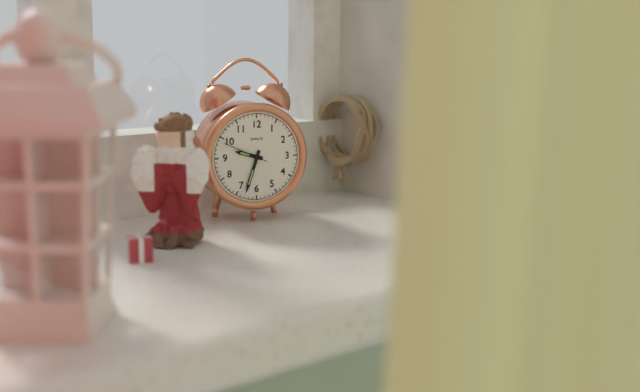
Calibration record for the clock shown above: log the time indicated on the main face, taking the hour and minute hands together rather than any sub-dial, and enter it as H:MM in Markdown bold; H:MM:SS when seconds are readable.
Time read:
**9:33**
